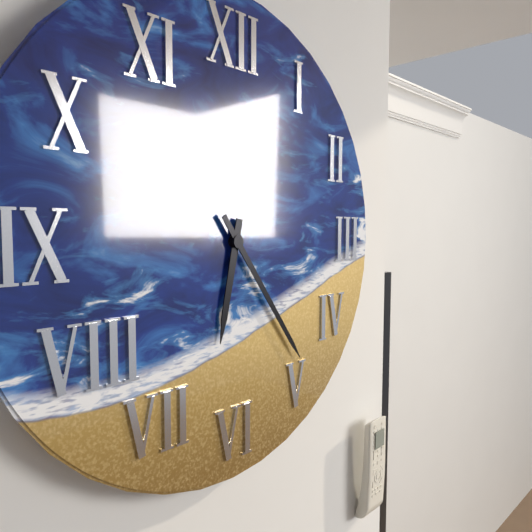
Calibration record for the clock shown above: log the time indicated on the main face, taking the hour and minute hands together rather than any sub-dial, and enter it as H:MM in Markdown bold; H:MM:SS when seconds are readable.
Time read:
**6:24**
